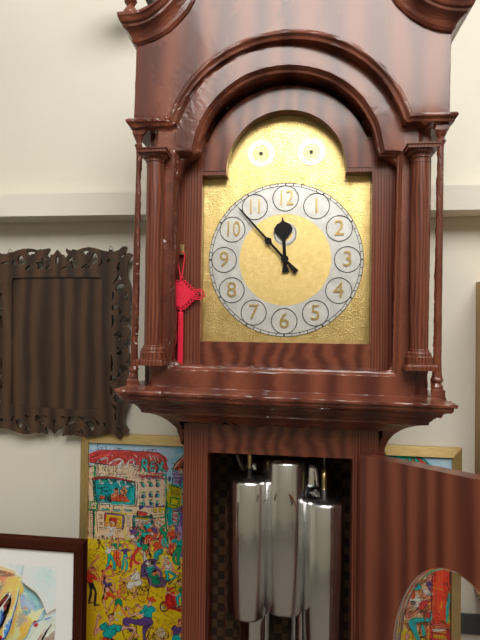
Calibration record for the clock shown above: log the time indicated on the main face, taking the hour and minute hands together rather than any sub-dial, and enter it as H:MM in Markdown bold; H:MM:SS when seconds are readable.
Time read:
**11:53**
